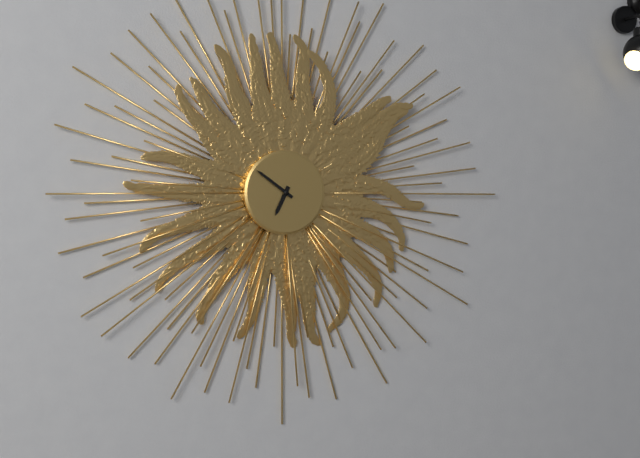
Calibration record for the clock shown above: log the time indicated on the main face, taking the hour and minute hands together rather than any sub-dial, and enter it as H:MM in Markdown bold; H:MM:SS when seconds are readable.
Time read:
**6:51**
